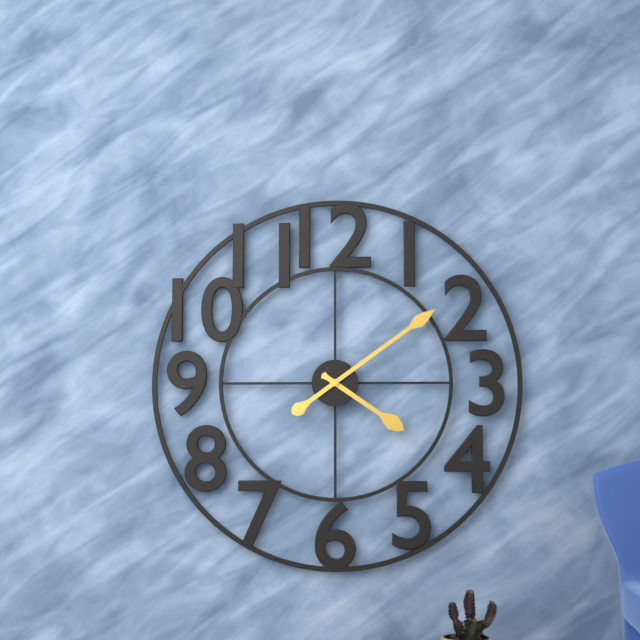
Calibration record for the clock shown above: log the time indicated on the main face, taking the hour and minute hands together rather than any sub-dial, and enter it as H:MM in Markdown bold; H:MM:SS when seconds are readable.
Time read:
**4:09**
